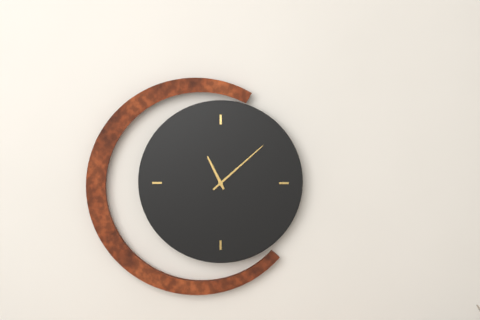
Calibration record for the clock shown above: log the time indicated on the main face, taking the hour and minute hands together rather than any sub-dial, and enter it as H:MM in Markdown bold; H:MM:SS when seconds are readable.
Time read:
**11:08**
